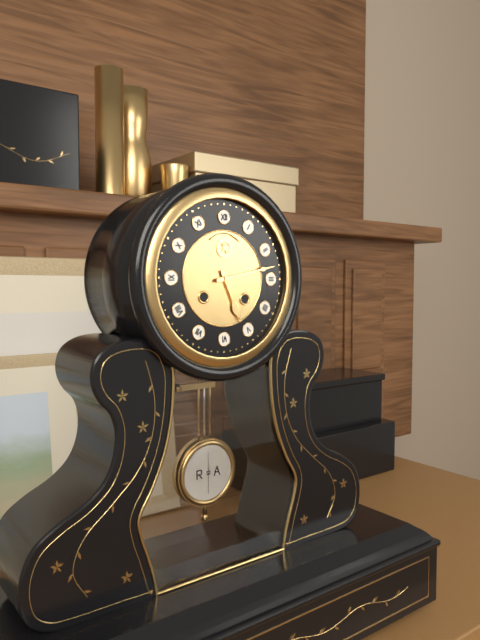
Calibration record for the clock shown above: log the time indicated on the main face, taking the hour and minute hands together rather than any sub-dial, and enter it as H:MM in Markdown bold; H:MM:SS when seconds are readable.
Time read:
**5:13**
